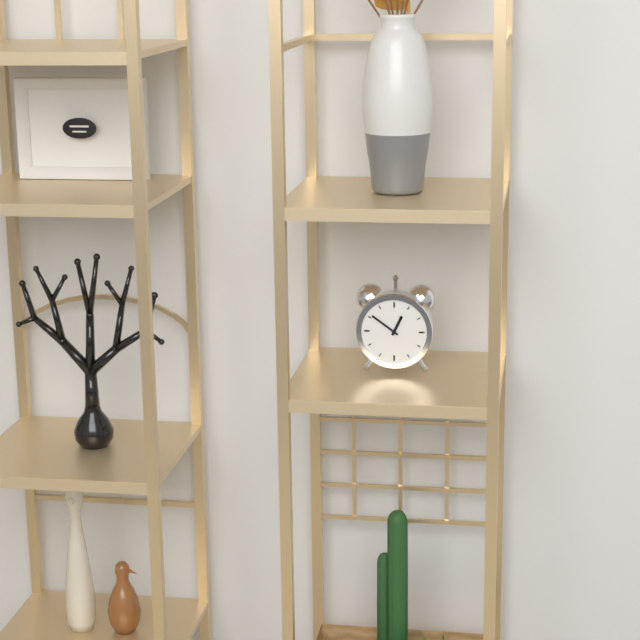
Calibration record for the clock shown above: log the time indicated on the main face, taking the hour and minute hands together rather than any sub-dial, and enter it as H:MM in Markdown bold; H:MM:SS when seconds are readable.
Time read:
**12:51**
